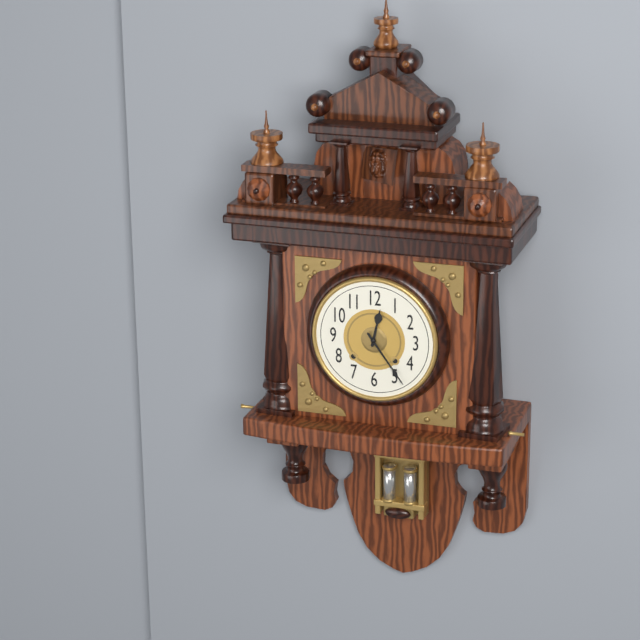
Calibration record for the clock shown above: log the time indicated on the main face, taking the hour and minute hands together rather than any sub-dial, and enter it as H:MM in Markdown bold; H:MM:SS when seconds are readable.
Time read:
**12:24**
